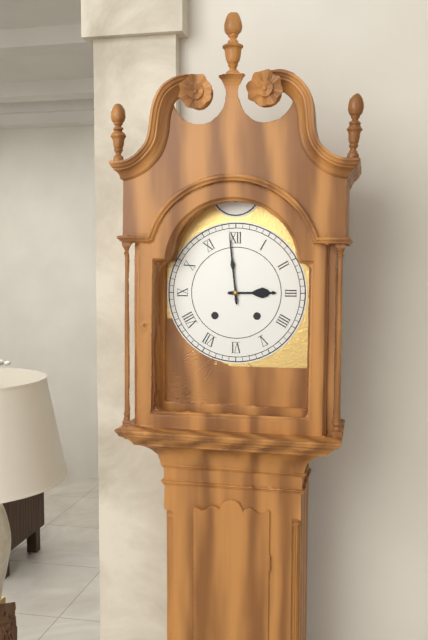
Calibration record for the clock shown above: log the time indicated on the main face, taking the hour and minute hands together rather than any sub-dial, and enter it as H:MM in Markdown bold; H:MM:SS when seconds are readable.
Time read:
**2:59**
